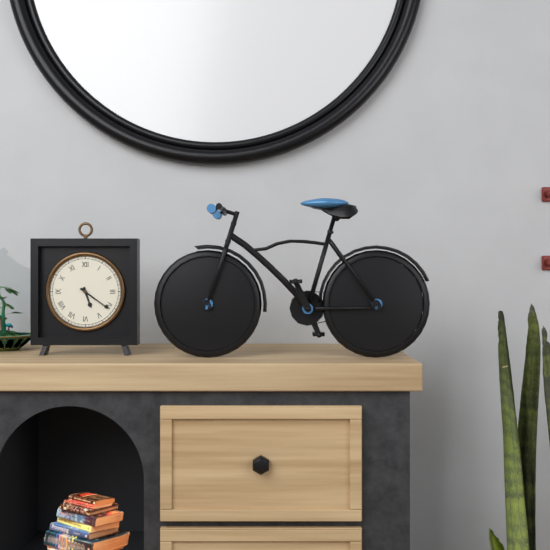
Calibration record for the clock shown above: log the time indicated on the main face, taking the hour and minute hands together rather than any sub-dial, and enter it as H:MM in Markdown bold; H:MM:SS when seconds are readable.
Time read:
**5:21**
